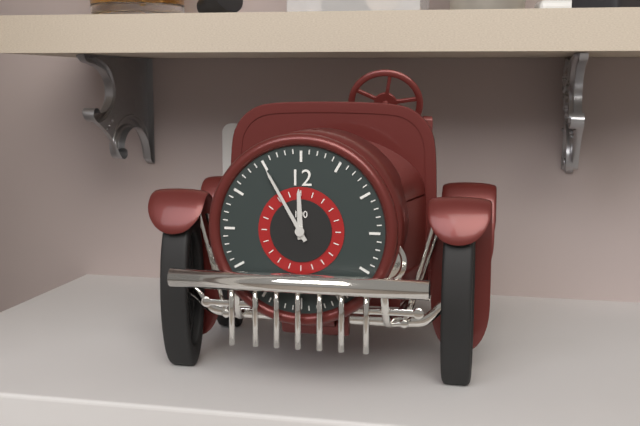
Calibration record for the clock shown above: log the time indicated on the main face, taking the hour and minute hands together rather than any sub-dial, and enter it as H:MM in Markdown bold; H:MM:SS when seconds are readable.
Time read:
**11:55**
